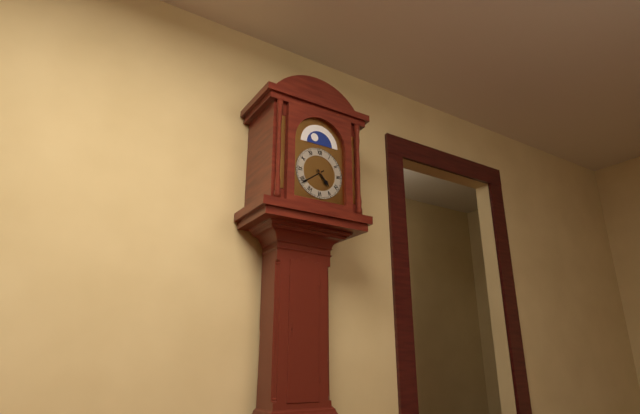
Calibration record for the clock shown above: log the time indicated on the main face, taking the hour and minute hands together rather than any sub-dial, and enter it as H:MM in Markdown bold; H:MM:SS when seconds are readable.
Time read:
**4:39**
